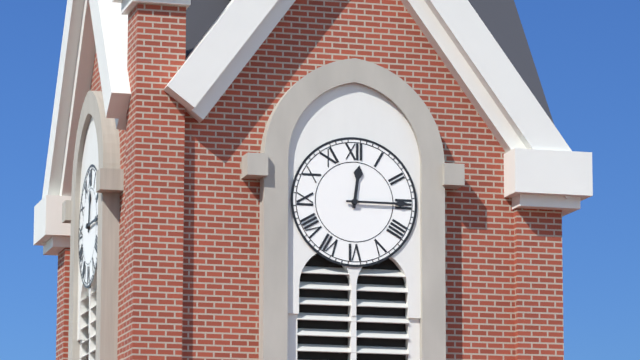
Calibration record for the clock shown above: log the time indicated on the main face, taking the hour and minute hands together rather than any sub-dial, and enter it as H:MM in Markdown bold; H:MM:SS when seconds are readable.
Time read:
**12:15**
